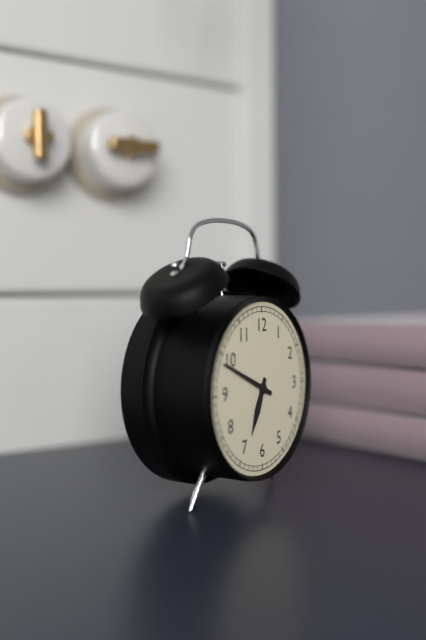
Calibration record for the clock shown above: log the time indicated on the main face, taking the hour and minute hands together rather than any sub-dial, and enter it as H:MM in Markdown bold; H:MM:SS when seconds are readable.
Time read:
**6:49**
